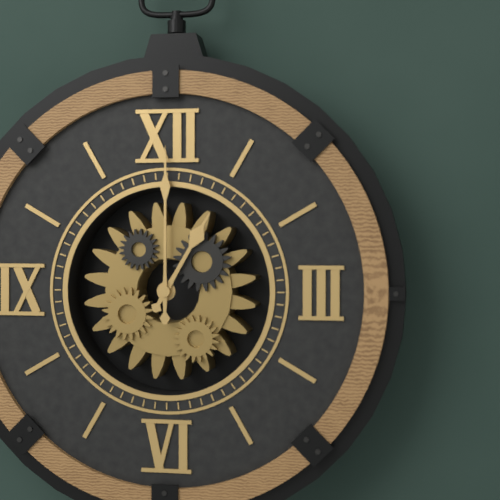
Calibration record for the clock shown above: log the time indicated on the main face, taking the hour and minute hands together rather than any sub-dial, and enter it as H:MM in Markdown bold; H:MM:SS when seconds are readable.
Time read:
**1:00**
